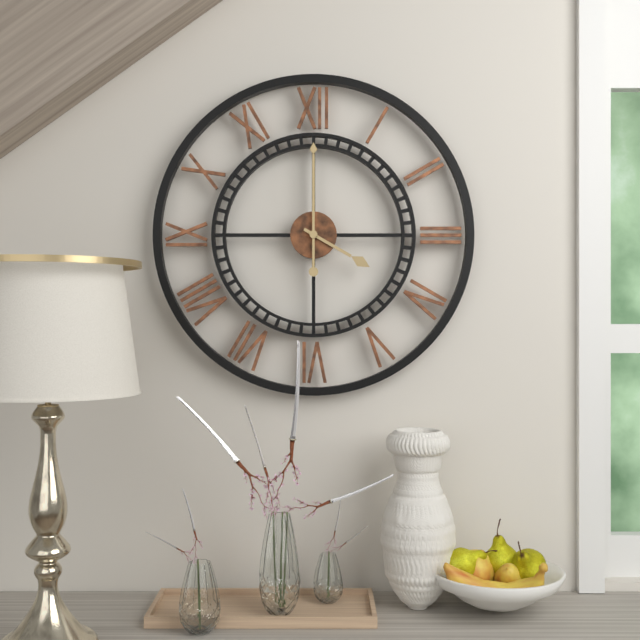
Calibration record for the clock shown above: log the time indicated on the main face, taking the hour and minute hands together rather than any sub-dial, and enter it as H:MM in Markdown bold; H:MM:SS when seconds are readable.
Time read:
**4:00**
